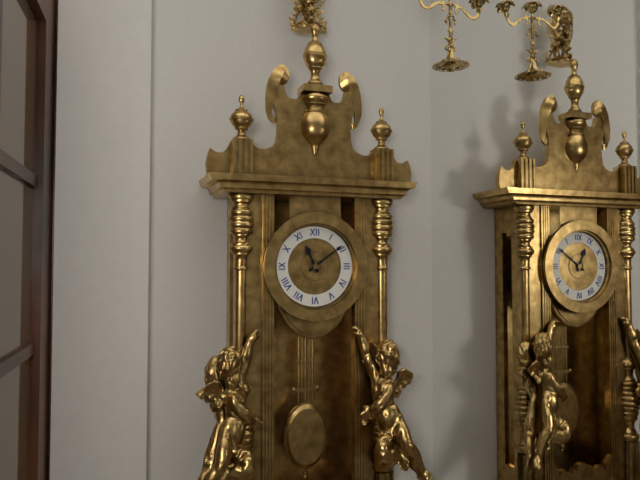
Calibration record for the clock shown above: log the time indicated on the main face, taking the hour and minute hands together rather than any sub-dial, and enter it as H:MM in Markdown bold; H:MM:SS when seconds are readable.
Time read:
**11:09**
